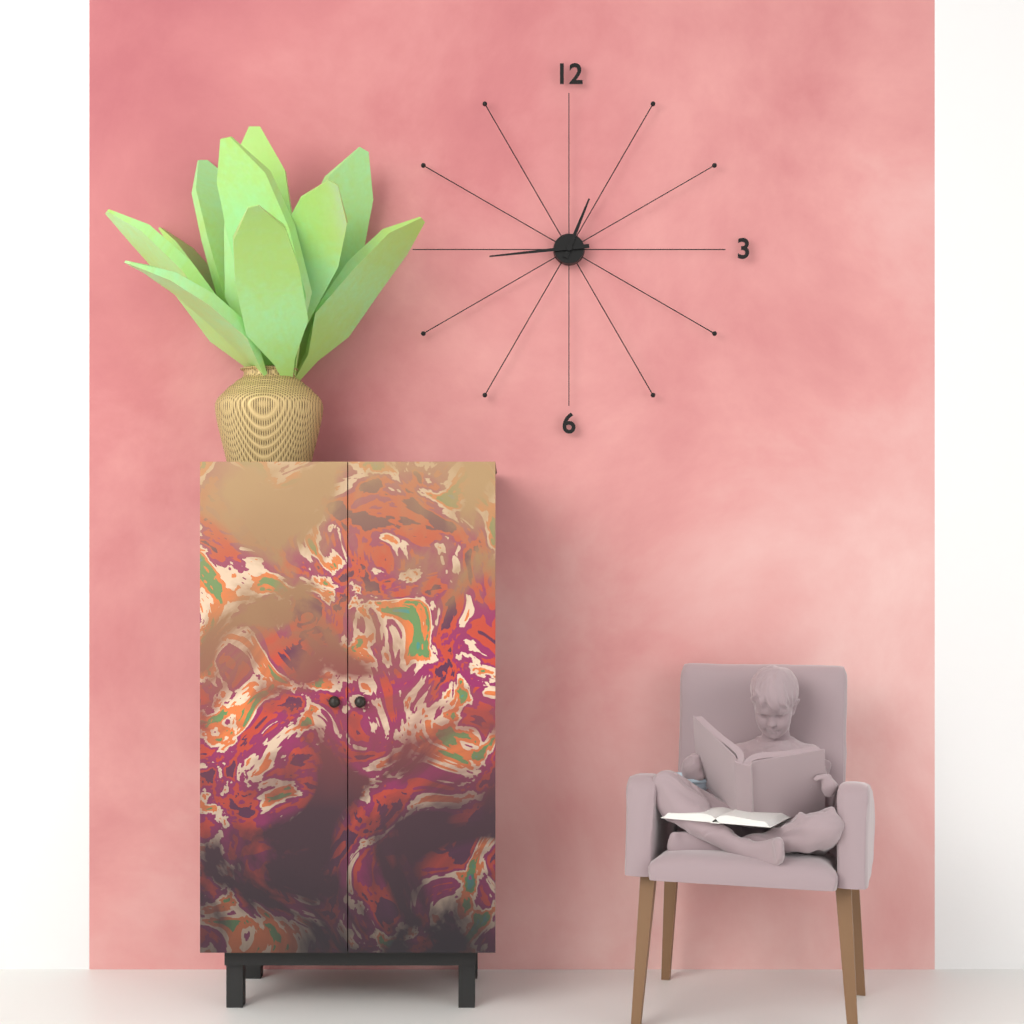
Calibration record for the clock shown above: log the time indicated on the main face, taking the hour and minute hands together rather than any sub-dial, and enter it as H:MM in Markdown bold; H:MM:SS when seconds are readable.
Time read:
**12:44**
